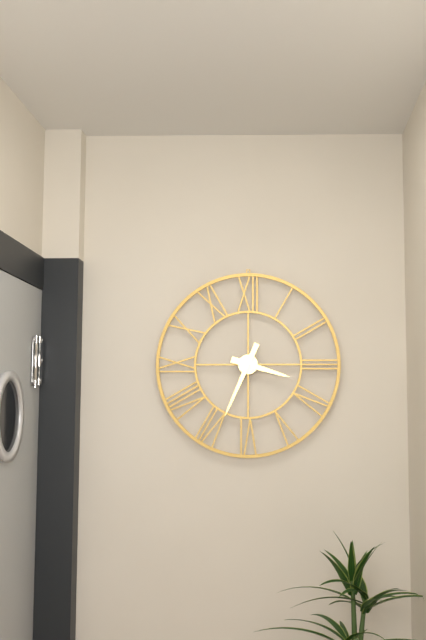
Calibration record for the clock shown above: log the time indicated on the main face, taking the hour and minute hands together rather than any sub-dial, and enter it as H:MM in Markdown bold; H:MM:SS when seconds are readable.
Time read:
**3:34**
